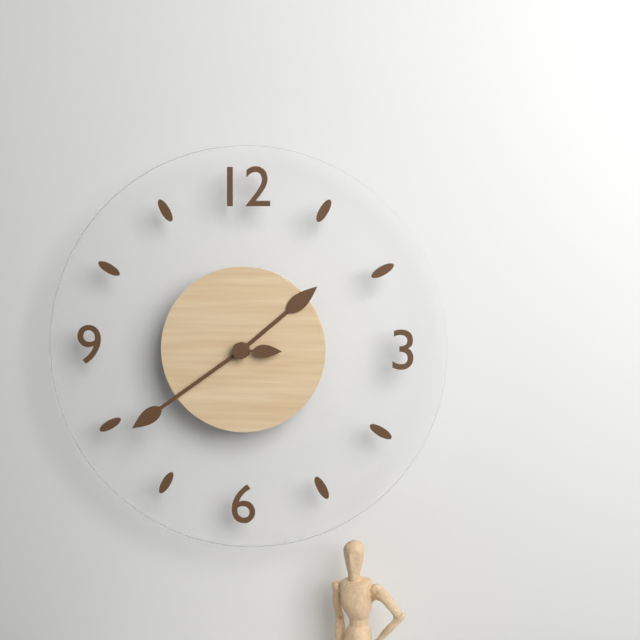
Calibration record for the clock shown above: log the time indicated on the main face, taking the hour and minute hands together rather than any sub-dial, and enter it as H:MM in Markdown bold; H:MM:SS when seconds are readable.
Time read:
**1:39**
